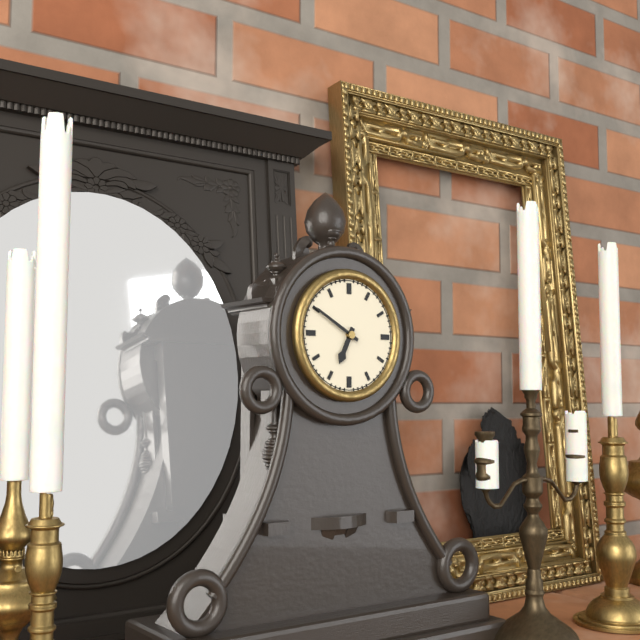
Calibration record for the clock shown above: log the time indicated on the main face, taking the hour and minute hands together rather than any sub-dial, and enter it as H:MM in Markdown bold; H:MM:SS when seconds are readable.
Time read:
**6:50**
